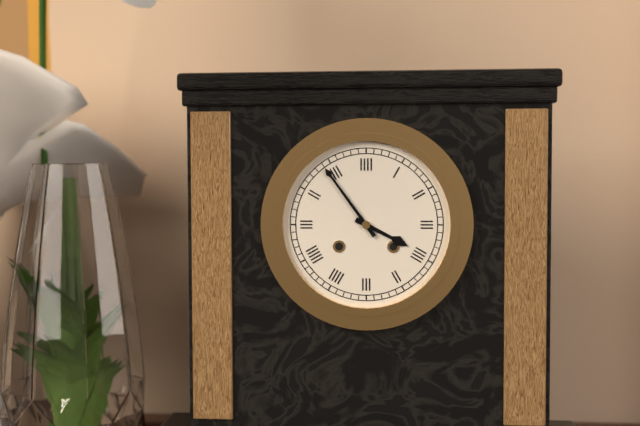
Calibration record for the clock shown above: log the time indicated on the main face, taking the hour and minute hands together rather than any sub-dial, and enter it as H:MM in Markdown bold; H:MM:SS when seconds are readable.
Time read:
**3:54**
